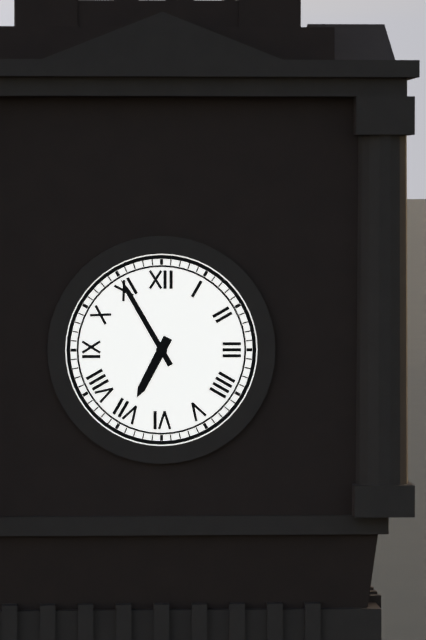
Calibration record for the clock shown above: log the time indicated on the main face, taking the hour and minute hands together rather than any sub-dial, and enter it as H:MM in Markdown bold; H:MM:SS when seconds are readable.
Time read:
**6:55**
